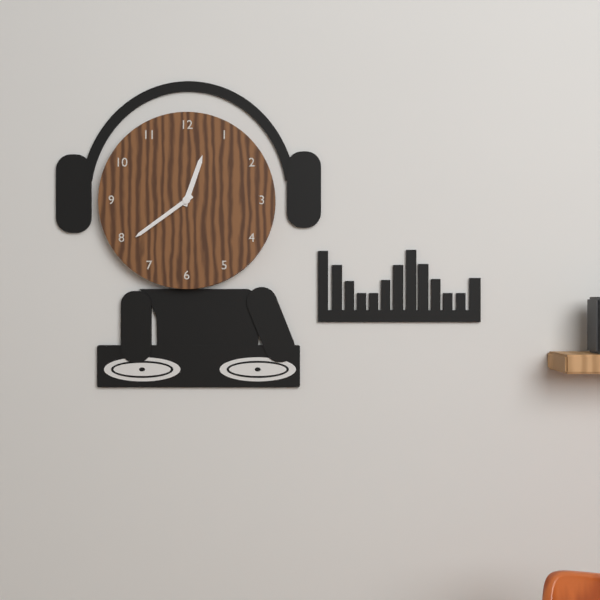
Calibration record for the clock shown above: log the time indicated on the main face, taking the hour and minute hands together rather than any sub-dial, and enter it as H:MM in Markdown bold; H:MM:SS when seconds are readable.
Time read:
**12:39**
